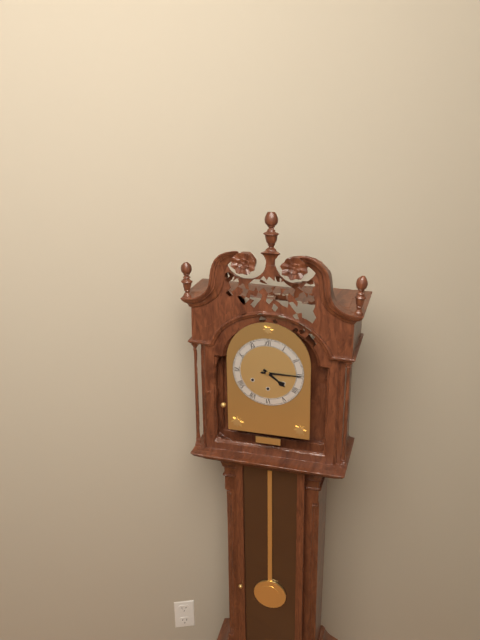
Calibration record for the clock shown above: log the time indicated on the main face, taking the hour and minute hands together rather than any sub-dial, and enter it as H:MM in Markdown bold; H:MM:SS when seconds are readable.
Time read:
**4:15**
